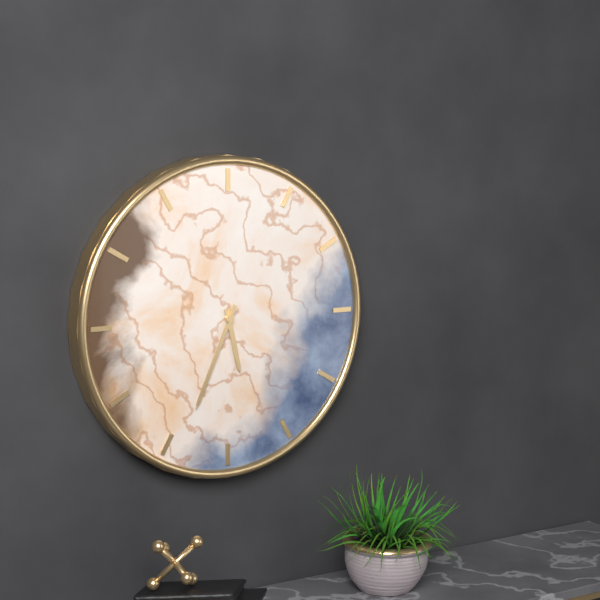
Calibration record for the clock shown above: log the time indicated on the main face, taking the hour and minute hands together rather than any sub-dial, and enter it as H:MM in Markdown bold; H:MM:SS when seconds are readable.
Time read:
**5:34**
